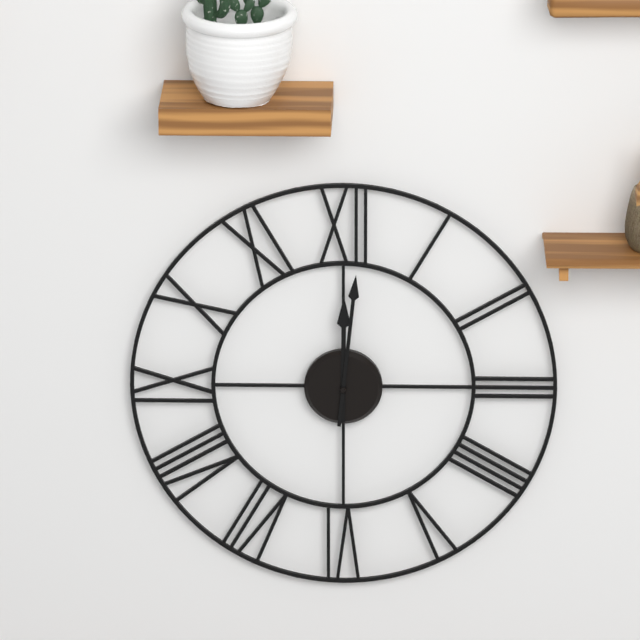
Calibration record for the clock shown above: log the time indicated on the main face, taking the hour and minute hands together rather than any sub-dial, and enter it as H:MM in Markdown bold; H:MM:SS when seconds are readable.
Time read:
**12:01**
